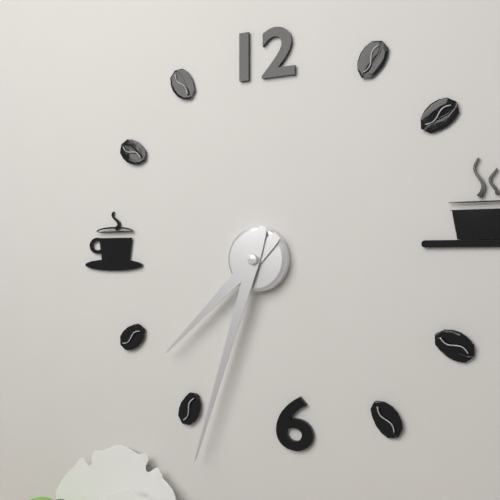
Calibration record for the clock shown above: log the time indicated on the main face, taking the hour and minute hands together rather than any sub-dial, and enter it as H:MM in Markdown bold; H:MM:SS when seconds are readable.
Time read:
**7:33**
